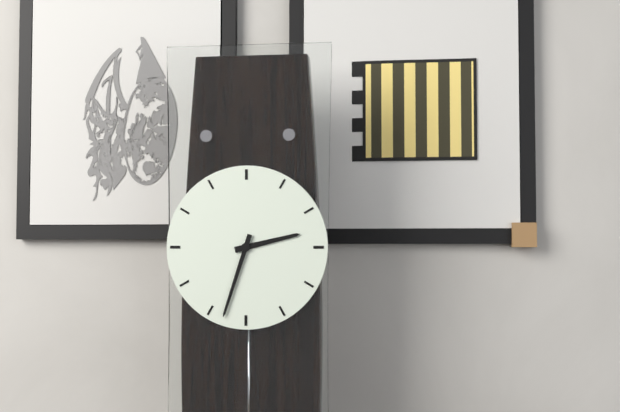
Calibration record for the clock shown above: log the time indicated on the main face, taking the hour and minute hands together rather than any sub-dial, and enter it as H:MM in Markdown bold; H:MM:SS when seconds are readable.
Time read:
**2:33**
